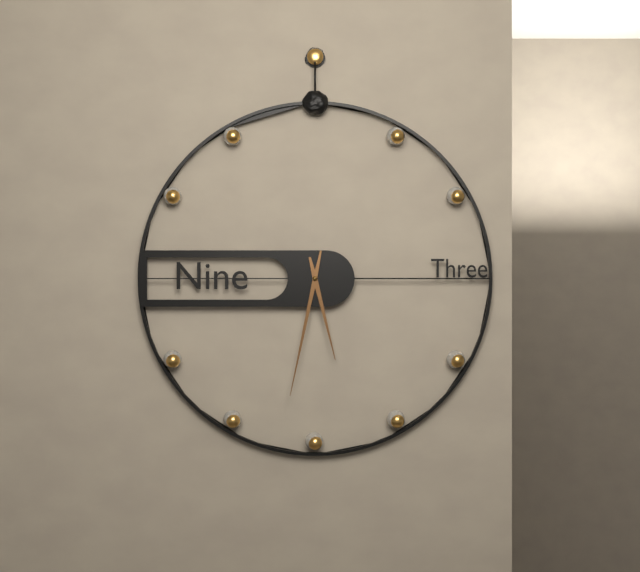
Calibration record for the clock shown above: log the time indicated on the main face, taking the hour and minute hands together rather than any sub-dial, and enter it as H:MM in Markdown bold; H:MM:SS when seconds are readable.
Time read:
**5:32**
